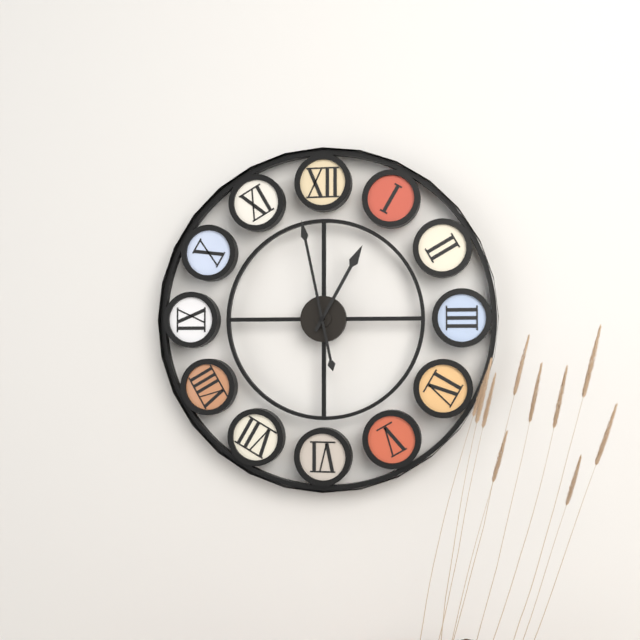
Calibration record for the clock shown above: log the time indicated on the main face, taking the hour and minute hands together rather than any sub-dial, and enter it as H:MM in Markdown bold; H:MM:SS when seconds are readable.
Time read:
**12:58**
